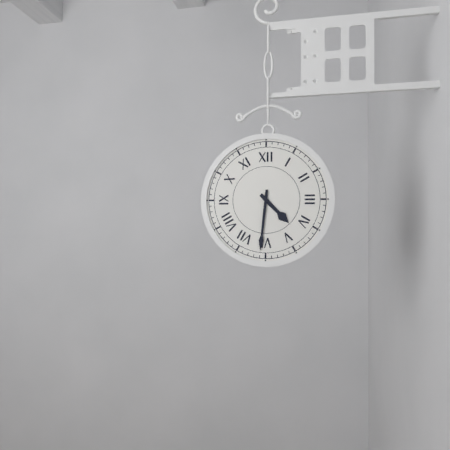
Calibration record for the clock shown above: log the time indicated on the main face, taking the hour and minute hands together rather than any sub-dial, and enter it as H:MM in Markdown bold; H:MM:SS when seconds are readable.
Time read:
**4:31**
